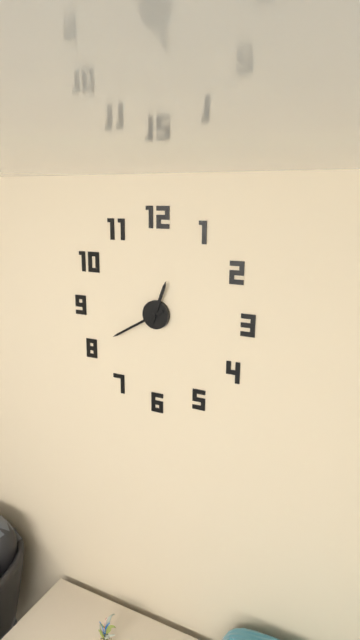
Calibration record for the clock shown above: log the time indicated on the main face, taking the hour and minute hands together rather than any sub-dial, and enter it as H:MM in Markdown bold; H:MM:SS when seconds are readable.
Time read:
**12:40**
